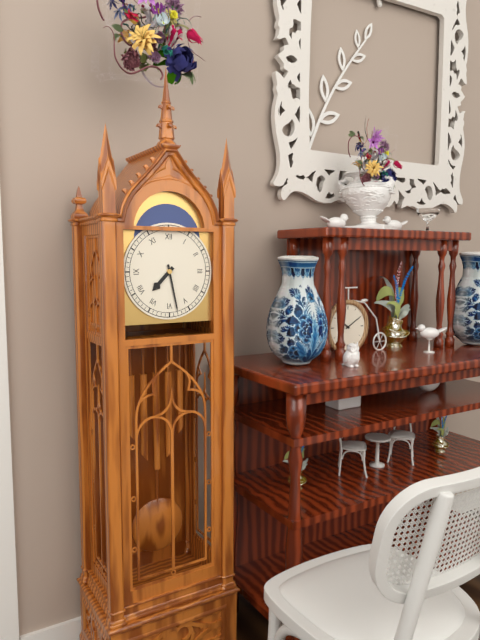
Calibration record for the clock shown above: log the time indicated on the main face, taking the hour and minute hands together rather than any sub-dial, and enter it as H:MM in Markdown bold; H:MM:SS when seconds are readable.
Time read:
**7:28**
